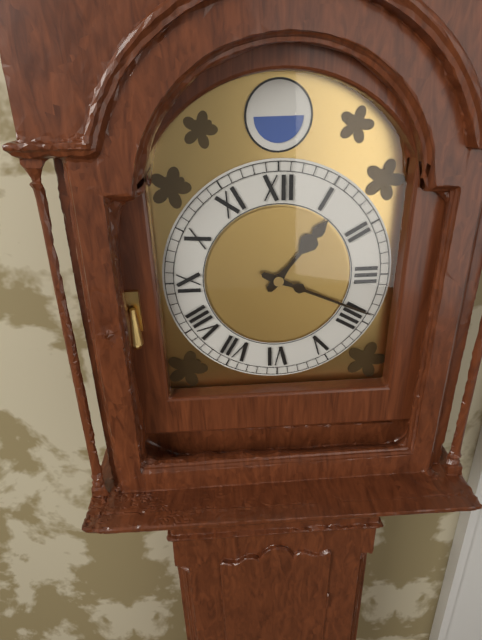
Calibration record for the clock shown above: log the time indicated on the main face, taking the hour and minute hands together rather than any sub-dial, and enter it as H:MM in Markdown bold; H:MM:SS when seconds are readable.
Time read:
**1:19**
